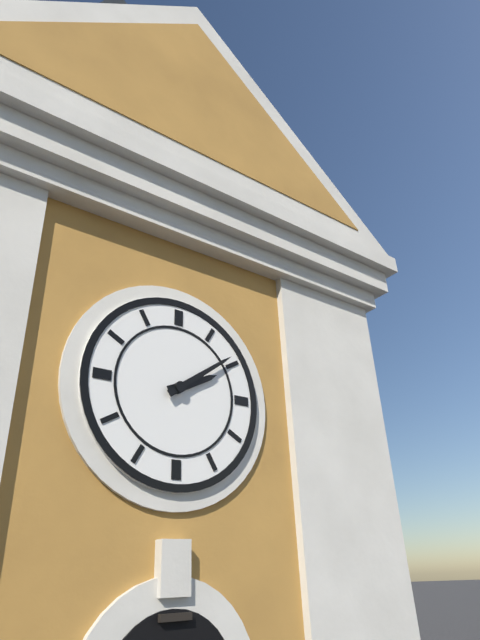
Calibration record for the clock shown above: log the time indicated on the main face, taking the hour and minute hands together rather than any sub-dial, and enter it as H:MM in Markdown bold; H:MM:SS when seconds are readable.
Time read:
**2:09**
